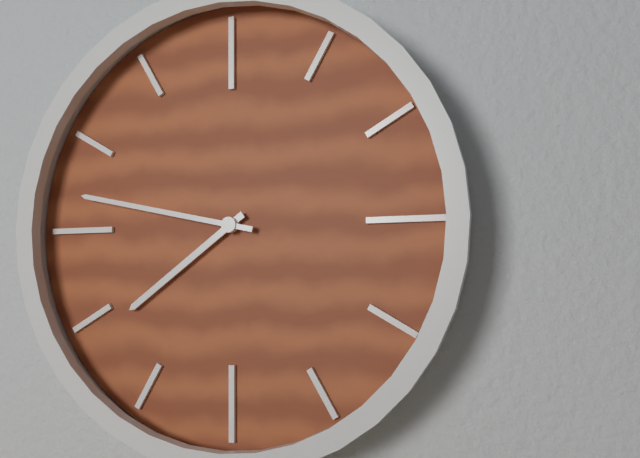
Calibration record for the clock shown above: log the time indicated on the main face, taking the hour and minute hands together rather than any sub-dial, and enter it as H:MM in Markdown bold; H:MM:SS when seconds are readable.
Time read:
**7:47**
